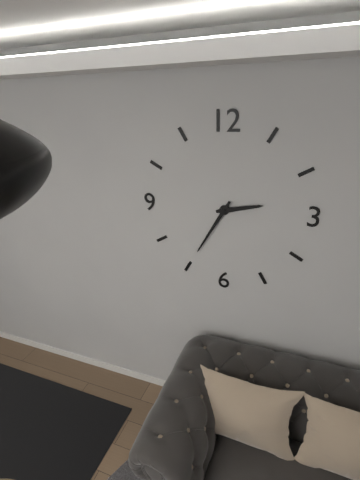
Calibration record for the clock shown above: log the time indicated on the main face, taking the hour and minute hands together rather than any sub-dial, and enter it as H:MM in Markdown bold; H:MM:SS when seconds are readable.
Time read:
**2:35**
